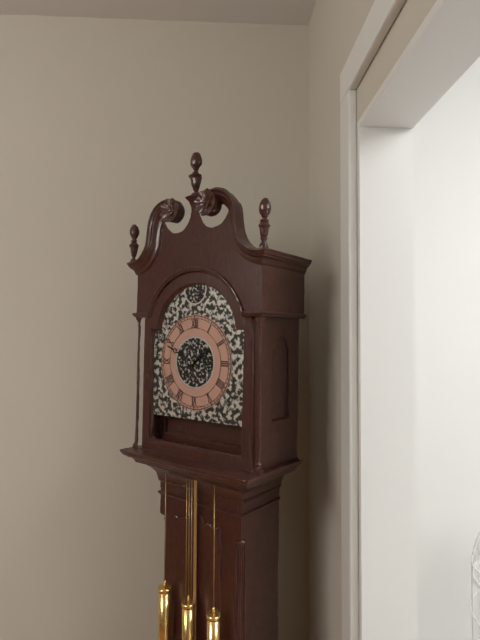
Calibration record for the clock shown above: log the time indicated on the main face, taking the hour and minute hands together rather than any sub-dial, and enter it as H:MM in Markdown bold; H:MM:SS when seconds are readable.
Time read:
**1:49**
